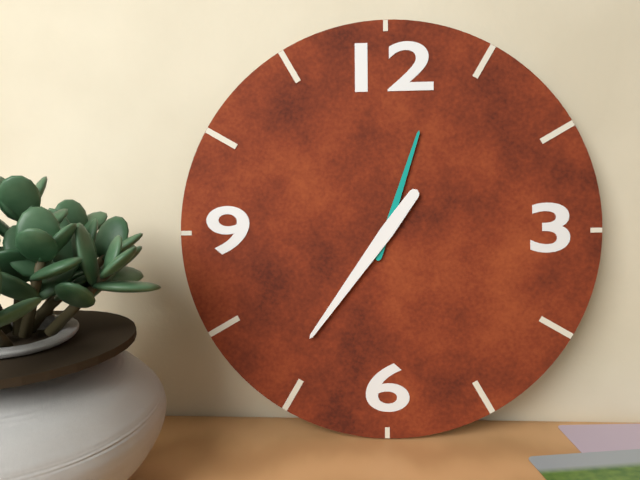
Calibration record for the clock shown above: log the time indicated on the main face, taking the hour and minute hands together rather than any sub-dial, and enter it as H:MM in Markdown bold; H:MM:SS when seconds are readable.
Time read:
**12:36**
